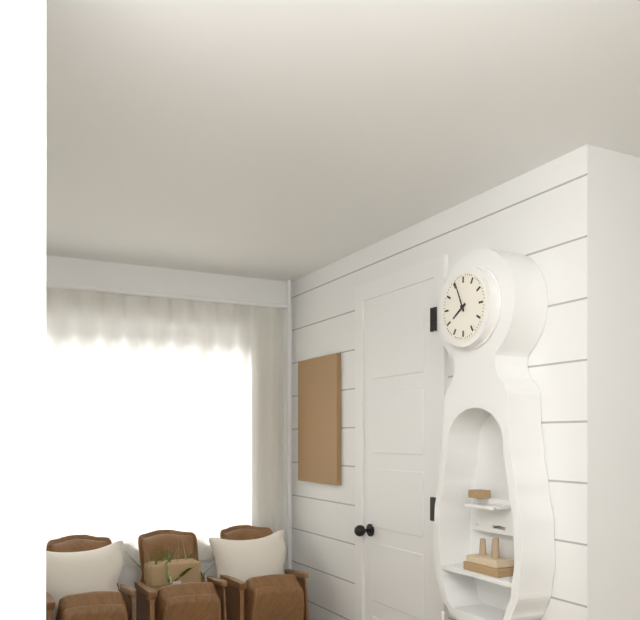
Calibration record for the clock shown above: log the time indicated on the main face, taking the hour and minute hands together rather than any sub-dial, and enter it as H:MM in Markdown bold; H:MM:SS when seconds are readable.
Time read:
**7:56**
